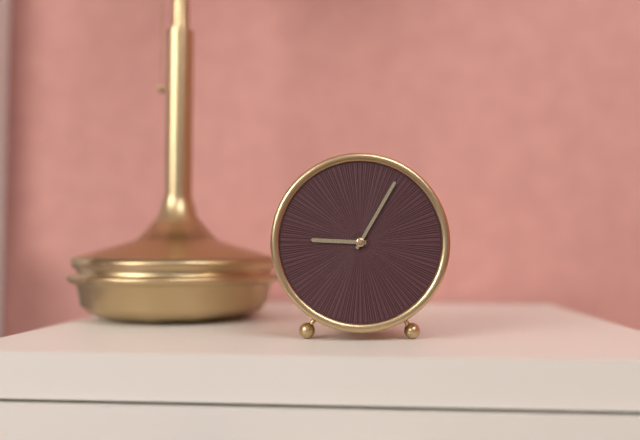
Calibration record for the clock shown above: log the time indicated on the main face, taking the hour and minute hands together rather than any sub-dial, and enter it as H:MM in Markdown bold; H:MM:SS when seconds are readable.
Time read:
**9:05**
